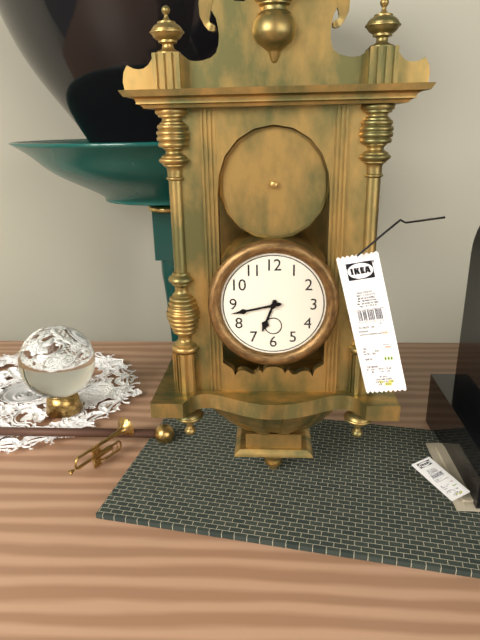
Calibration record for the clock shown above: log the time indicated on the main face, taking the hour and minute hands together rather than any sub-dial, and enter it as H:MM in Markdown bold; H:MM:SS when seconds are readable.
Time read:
**6:43**
